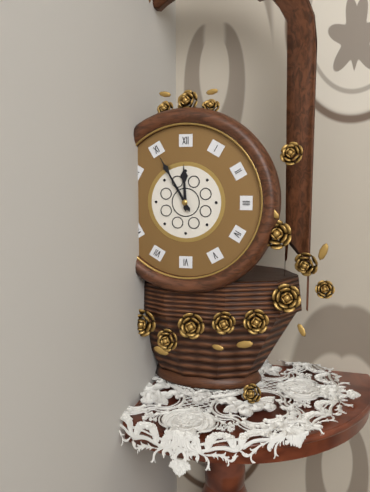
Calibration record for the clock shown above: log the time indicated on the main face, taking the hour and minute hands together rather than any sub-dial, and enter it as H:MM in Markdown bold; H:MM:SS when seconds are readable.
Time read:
**11:55**
